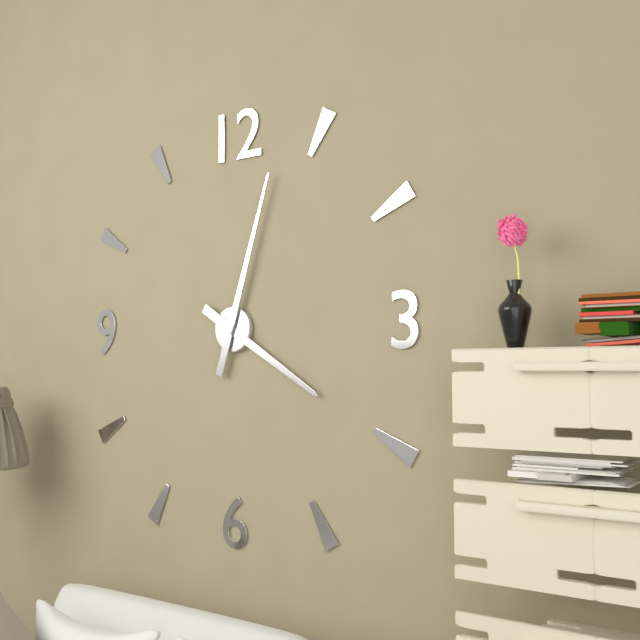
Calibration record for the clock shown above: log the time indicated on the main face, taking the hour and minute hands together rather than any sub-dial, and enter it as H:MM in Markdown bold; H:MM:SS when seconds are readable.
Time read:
**4:03**
